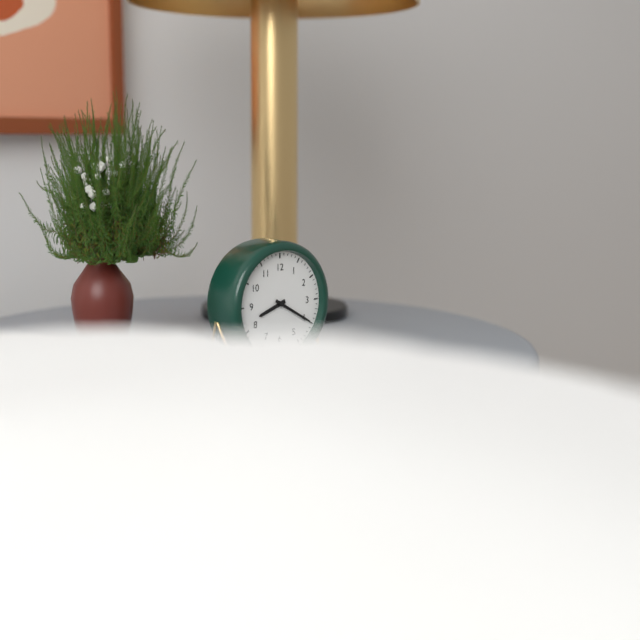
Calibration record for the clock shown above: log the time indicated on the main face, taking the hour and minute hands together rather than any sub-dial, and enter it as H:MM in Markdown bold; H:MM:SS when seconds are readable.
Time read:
**8:20**
